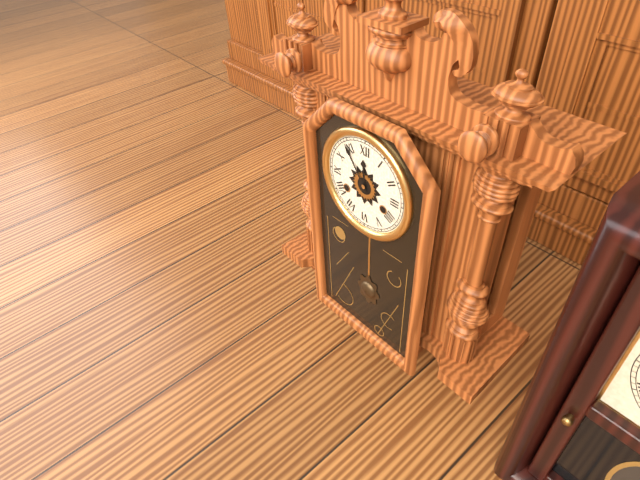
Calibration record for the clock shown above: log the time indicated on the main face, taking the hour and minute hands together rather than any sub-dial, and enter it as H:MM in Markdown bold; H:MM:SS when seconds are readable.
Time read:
**11:54**
